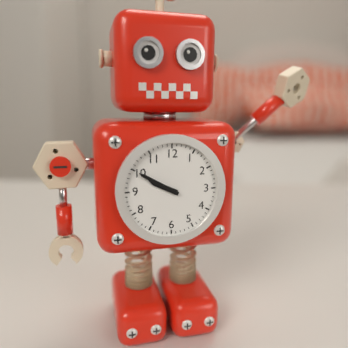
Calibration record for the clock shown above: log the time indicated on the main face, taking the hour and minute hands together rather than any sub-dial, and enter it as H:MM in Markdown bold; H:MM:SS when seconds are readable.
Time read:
**9:50**
